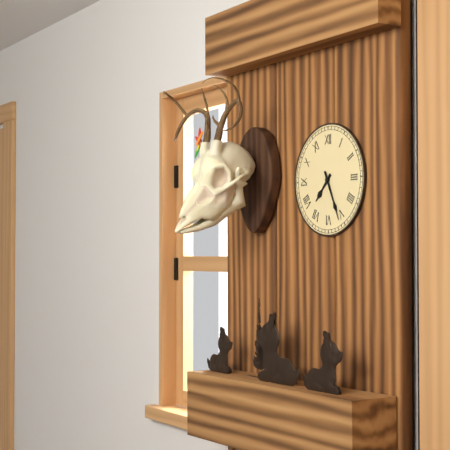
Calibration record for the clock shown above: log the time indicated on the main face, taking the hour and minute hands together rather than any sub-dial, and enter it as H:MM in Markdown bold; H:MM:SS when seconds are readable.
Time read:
**7:26**
